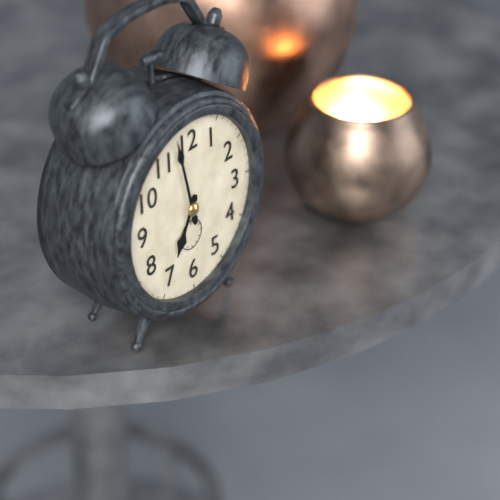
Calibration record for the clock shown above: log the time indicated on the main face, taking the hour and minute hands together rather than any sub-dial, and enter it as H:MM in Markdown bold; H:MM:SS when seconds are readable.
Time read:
**6:58**
